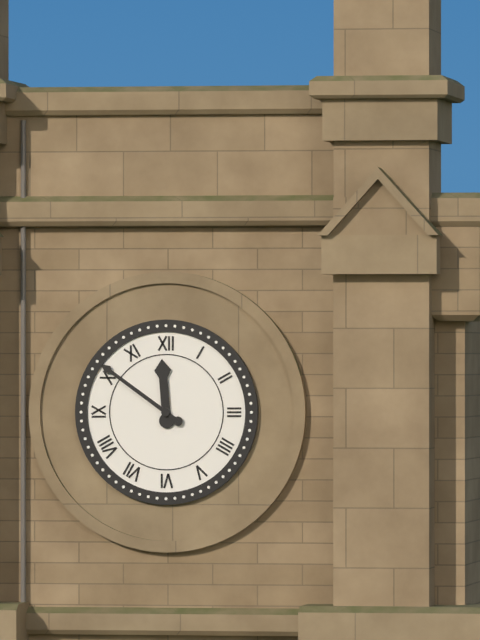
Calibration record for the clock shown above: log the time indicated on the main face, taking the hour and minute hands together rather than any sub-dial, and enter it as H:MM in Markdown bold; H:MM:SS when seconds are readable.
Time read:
**11:51**
